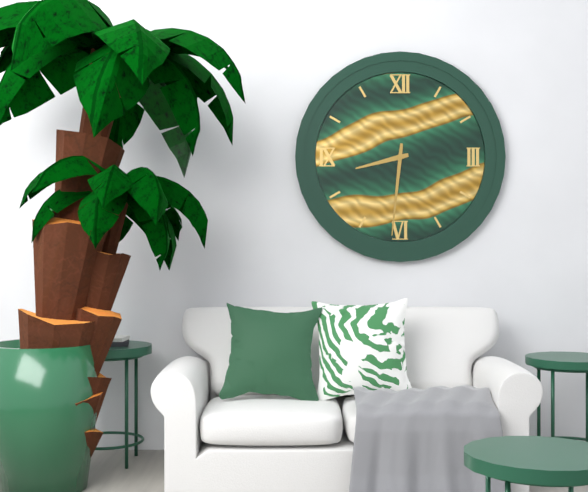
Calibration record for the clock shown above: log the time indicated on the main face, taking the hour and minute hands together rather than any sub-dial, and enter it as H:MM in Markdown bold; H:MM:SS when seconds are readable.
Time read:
**8:31**
